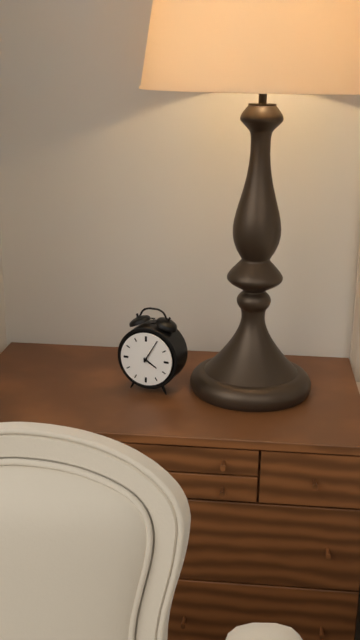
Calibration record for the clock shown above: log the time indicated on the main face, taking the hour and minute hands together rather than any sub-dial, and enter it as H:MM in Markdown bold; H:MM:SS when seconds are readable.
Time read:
**4:05**
